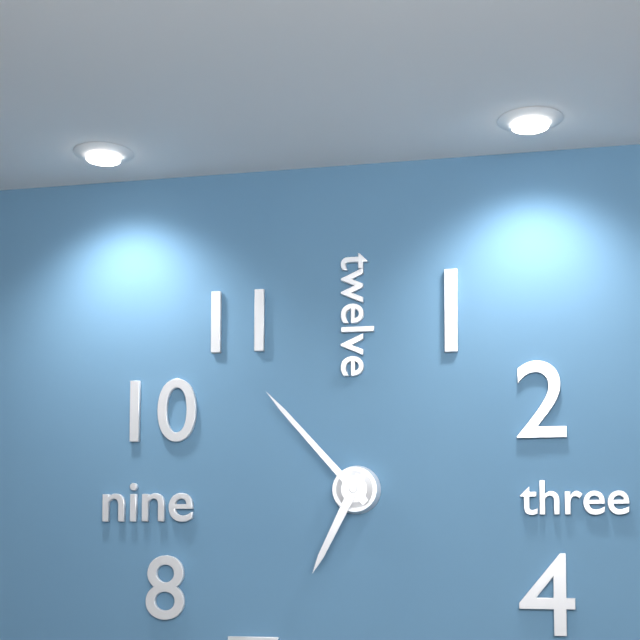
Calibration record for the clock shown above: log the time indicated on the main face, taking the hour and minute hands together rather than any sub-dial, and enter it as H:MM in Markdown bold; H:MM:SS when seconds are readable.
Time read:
**6:53**
